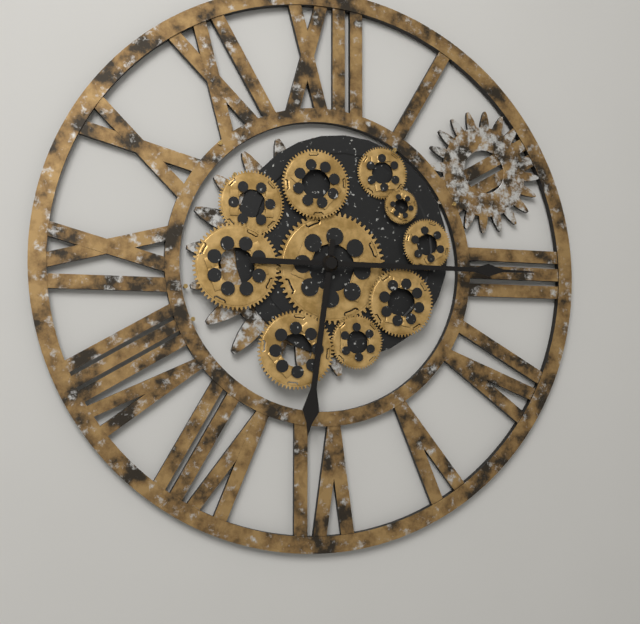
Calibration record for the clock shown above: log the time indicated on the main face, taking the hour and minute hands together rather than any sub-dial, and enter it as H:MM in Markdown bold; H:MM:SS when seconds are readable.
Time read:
**6:15**
